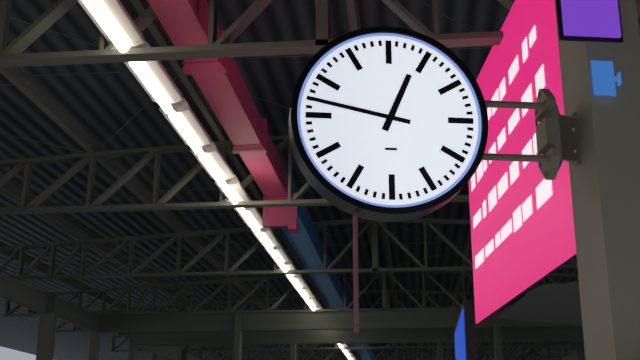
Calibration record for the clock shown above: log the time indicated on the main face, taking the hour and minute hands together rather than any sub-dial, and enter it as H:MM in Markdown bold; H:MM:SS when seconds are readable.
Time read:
**12:47**
